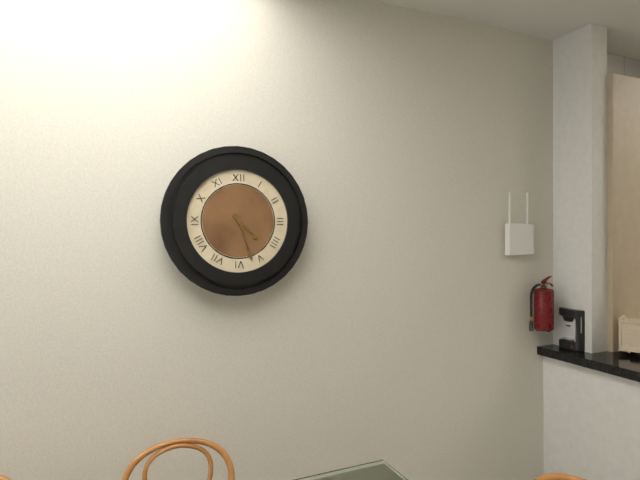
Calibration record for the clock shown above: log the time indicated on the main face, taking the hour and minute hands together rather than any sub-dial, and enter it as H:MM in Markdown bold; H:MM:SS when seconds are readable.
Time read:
**4:27**
